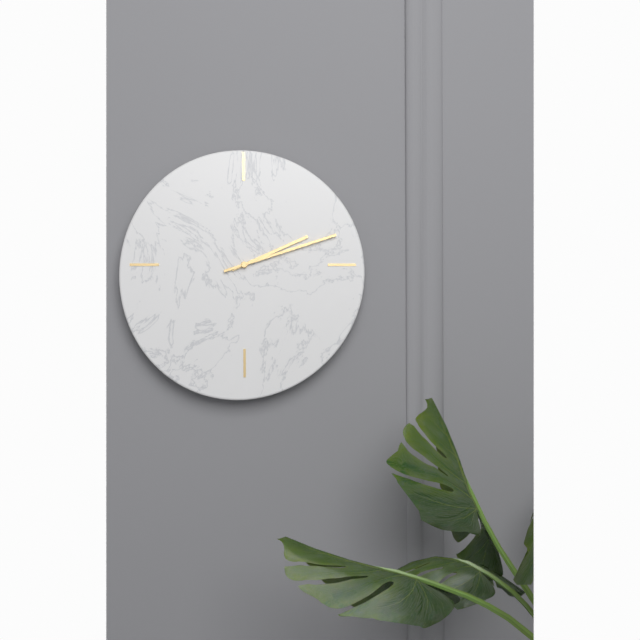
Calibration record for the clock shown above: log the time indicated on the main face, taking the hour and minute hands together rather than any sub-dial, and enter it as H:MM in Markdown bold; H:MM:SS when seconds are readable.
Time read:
**2:12**
